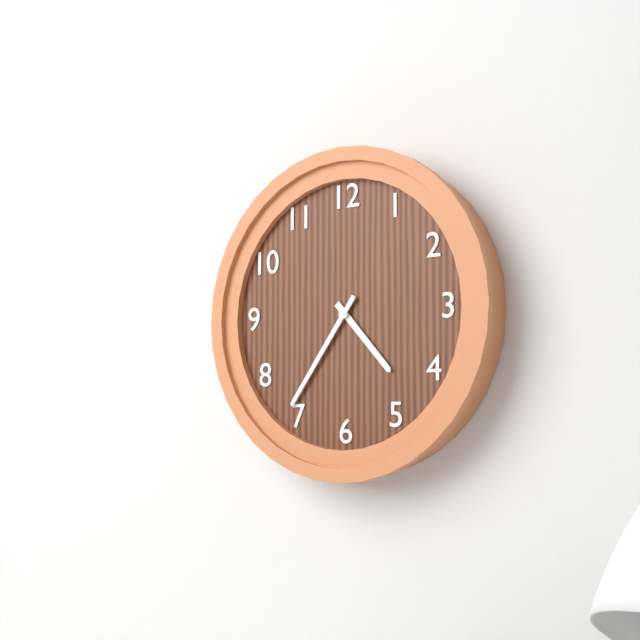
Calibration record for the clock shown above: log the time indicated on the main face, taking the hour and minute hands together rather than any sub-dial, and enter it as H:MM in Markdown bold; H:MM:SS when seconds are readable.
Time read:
**4:36**
